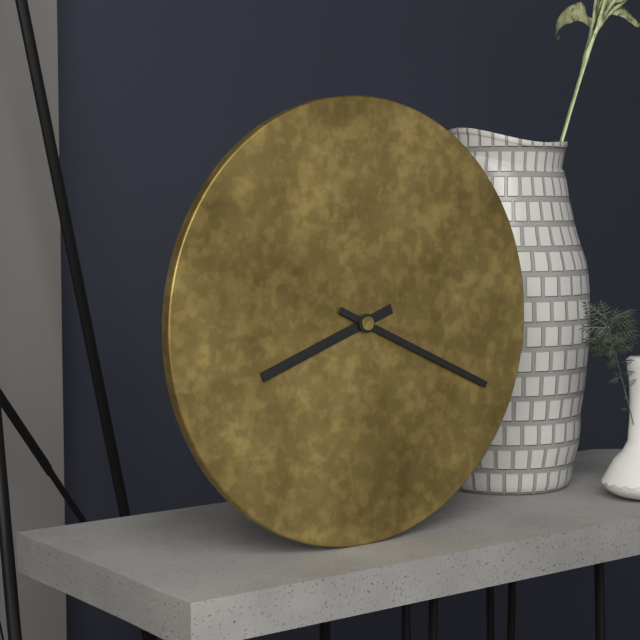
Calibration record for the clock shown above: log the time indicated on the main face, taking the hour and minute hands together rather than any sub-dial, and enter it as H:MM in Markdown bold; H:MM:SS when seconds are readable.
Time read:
**8:19**
